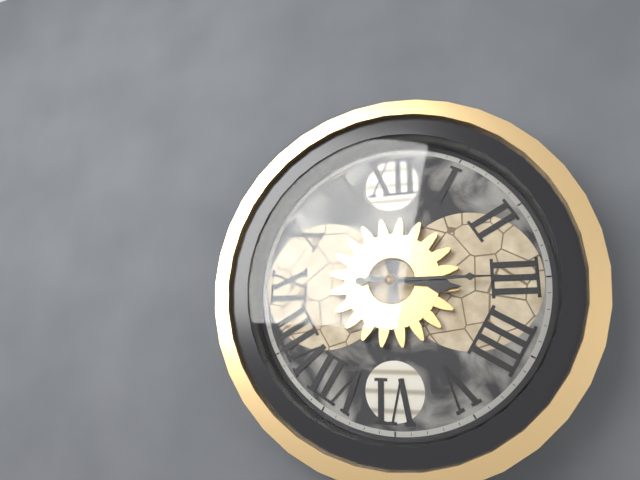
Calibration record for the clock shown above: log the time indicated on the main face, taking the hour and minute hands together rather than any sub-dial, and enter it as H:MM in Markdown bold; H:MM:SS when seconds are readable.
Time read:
**3:15**
